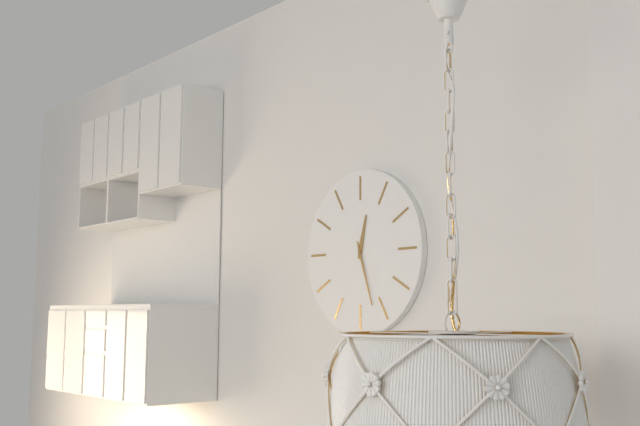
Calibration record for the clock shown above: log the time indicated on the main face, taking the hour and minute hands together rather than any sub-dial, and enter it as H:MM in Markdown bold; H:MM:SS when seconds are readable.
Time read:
**12:27**
